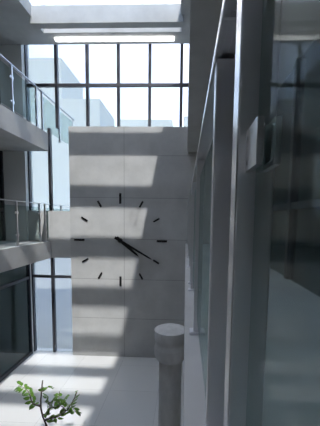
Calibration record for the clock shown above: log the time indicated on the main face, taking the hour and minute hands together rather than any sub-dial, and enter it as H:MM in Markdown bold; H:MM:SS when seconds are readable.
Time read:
**4:20**
